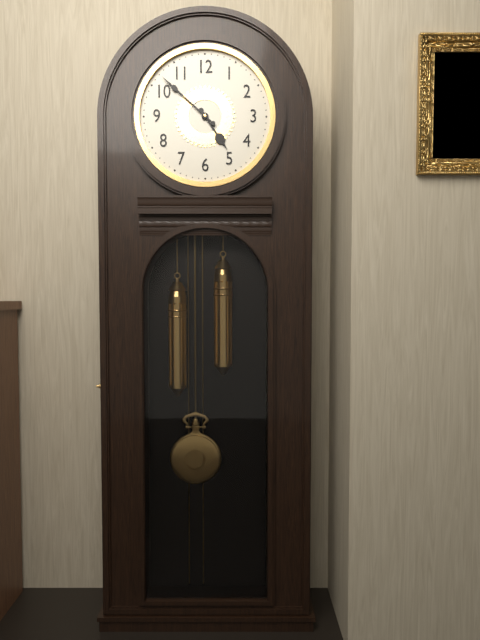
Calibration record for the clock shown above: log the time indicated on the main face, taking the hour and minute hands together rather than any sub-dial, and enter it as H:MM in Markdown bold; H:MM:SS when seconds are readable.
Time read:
**4:52**
